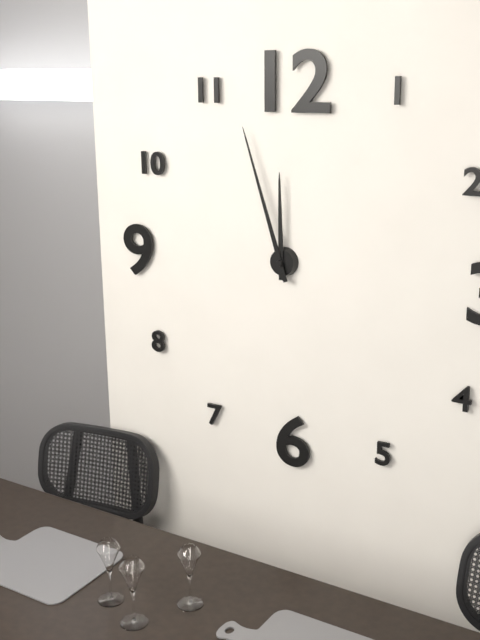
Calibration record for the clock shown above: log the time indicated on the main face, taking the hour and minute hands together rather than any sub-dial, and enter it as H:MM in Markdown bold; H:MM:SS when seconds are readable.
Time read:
**11:57**
